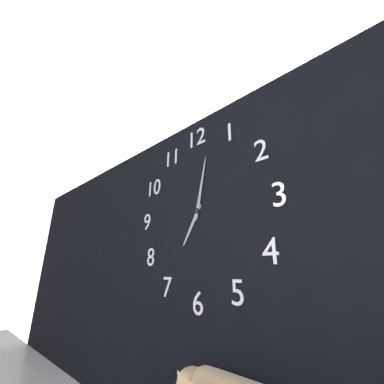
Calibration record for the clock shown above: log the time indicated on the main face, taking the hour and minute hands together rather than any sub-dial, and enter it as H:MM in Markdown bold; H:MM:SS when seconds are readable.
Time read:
**7:02**
